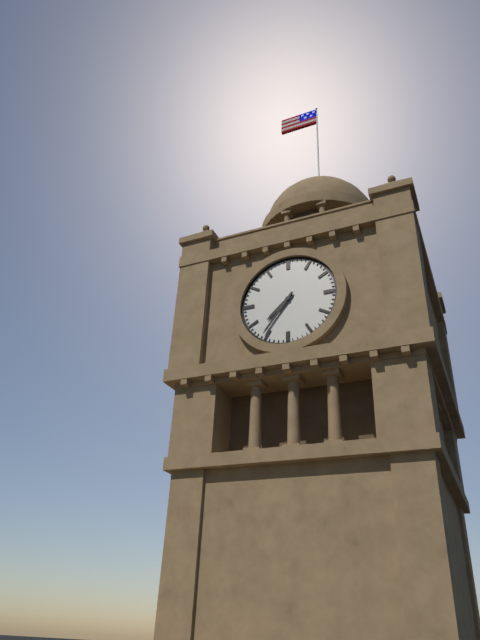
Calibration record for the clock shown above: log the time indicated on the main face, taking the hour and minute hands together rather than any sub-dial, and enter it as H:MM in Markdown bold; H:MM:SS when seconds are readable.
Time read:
**7:36**
